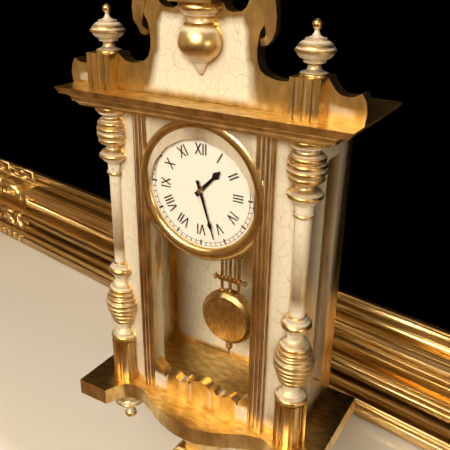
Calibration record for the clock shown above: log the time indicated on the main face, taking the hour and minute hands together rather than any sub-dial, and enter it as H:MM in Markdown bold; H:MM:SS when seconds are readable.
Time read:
**1:27**
